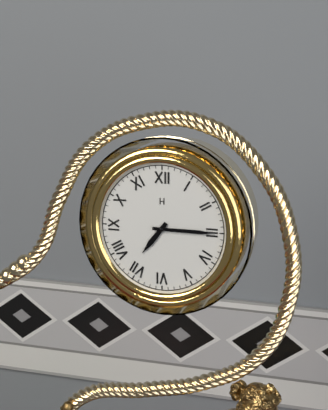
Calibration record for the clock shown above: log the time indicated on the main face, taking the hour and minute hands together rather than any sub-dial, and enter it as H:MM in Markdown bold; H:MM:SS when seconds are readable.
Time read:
**7:15**
